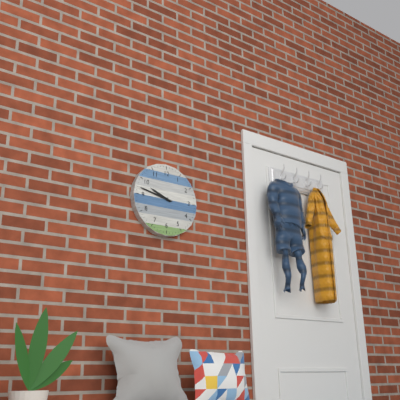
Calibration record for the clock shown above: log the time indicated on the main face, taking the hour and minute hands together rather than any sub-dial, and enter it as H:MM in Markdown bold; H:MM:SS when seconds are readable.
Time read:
**9:47**
